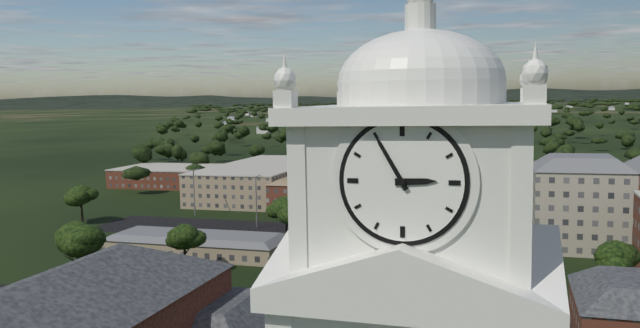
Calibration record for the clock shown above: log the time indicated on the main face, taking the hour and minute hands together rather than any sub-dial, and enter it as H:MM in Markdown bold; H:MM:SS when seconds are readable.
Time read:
**2:55**
